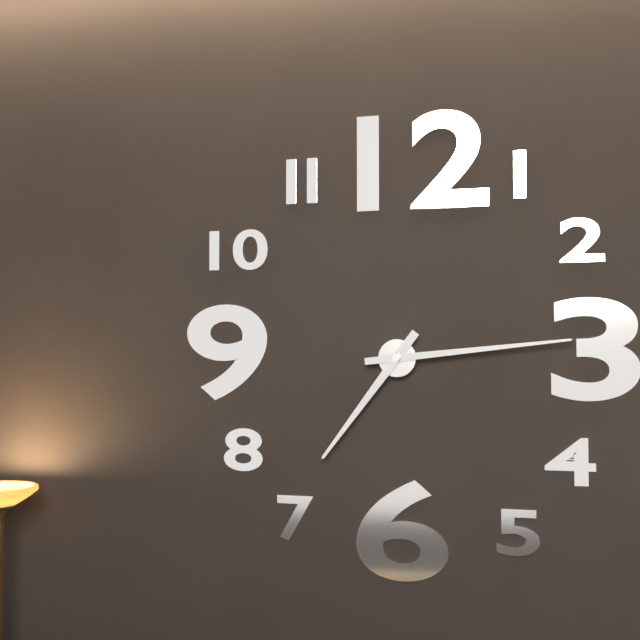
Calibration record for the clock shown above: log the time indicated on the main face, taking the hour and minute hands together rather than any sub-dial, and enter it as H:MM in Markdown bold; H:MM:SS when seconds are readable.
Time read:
**7:14**
